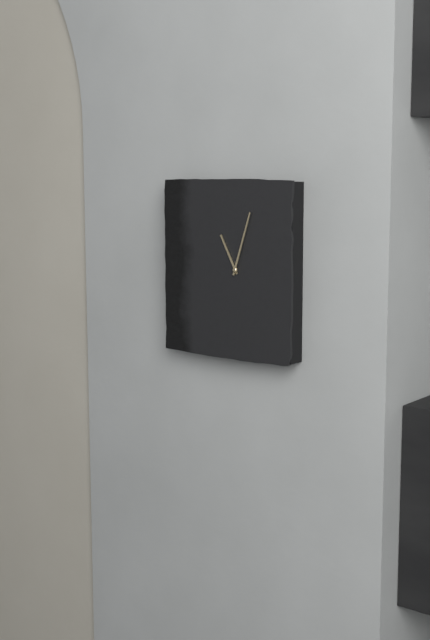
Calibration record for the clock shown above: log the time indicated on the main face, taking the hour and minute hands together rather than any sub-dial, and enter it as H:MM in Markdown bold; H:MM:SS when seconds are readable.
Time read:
**11:03**
